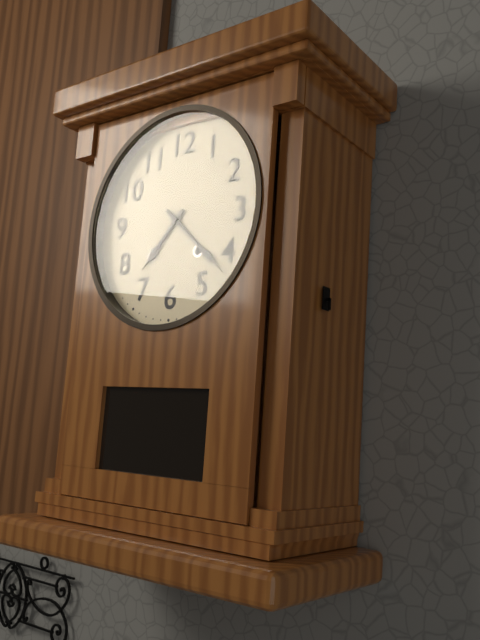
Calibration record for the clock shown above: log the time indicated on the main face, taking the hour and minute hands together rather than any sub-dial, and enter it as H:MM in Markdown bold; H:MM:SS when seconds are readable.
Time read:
**7:22**
